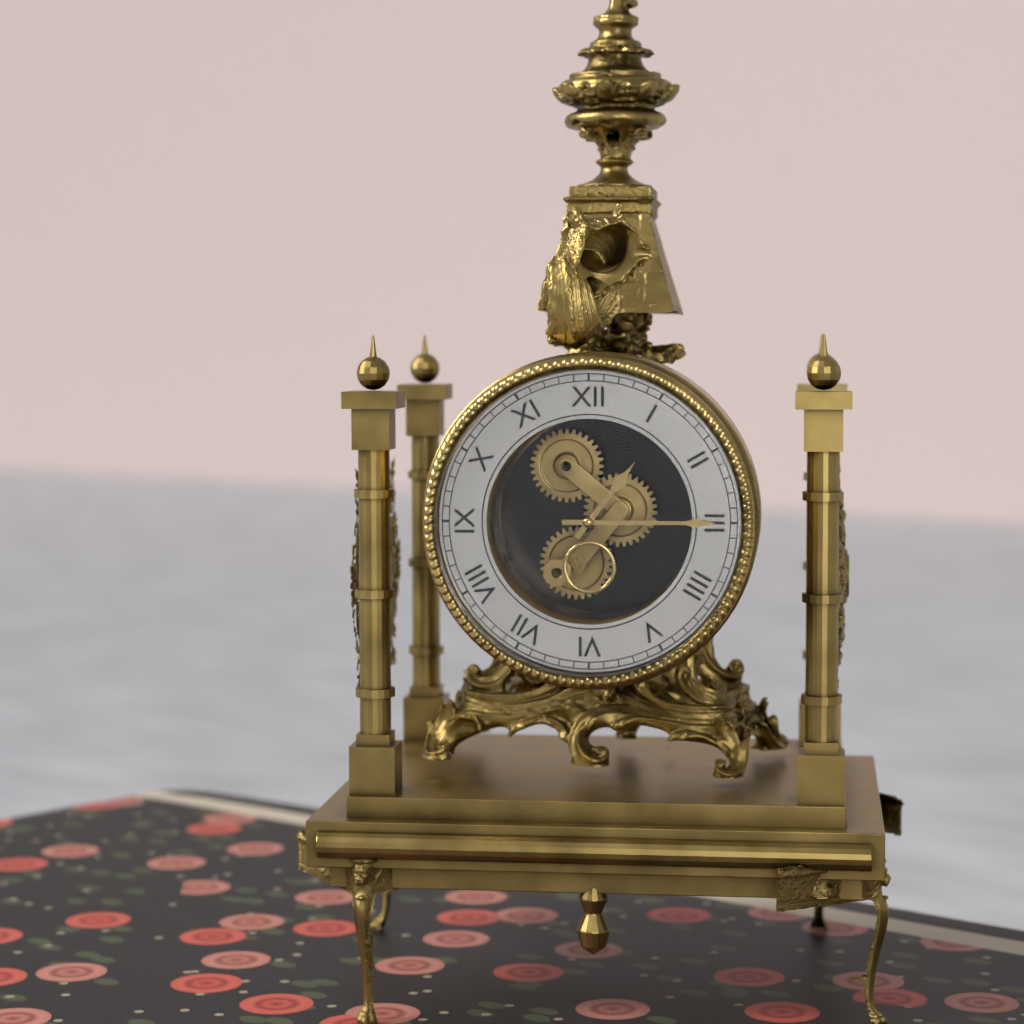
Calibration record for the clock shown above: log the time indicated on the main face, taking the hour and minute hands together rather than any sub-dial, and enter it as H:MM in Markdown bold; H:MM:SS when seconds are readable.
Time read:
**1:15**
